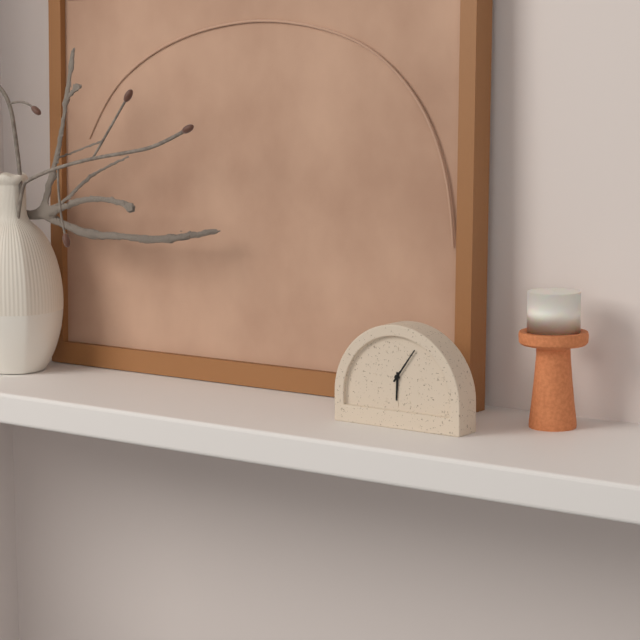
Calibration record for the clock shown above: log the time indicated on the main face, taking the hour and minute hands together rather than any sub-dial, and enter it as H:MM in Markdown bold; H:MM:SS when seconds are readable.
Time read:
**6:06**
